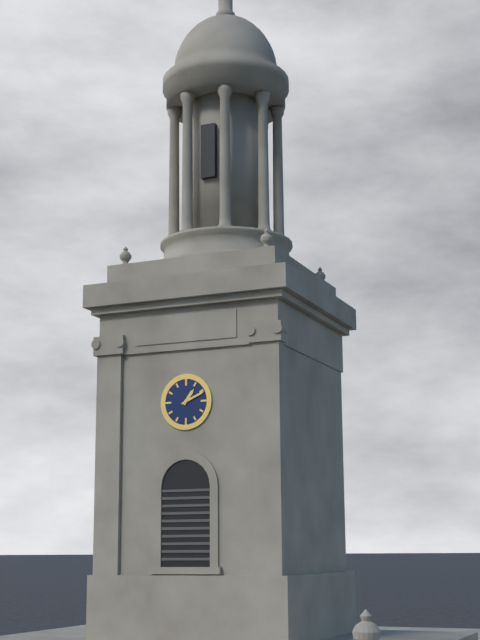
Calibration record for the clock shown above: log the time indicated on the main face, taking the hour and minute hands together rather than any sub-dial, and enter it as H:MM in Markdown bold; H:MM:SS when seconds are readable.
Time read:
**1:11**
